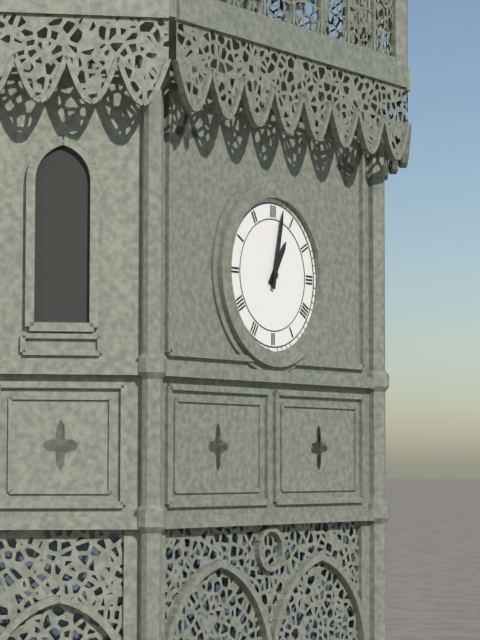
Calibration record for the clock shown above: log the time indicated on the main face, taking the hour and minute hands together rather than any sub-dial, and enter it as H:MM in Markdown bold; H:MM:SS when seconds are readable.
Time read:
**1:02**
